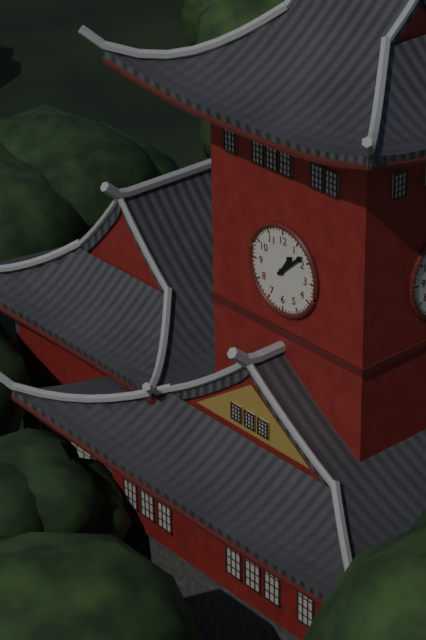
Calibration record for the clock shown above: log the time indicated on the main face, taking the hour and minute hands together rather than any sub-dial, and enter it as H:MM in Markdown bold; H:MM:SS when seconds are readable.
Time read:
**1:08**
